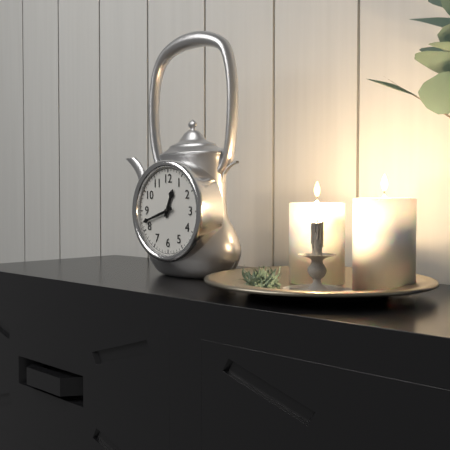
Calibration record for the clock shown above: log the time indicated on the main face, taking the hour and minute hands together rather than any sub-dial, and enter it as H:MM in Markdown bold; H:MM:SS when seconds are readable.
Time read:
**12:42**
